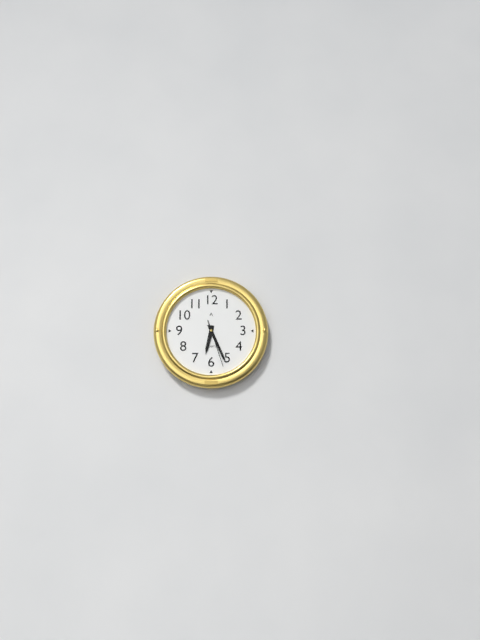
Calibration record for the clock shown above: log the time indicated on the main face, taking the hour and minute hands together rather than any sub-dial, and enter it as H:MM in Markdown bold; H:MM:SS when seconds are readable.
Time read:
**6:26**
